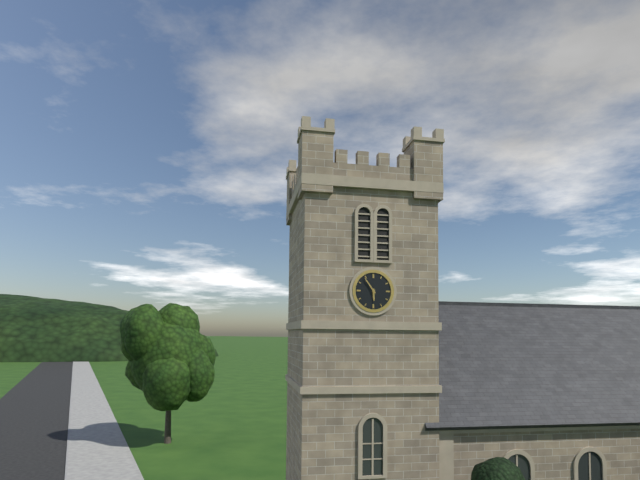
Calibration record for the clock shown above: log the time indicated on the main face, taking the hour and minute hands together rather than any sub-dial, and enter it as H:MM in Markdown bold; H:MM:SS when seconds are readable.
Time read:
**5:54**
